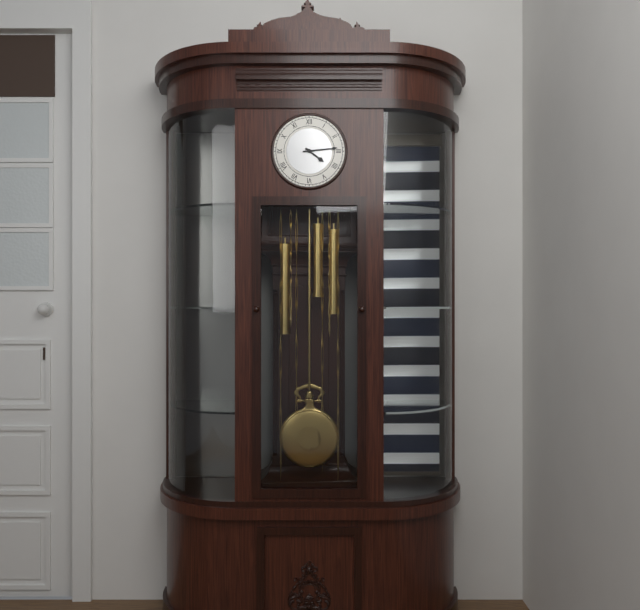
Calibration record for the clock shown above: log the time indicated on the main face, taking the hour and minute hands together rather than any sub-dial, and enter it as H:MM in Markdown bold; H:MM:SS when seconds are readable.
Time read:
**4:14**
